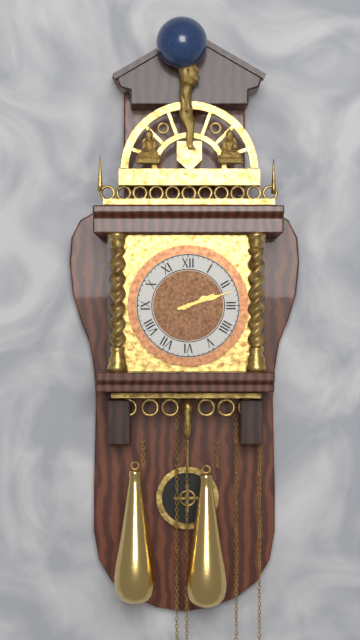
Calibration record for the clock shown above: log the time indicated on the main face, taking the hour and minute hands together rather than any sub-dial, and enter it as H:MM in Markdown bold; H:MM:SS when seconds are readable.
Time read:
**2:12**
